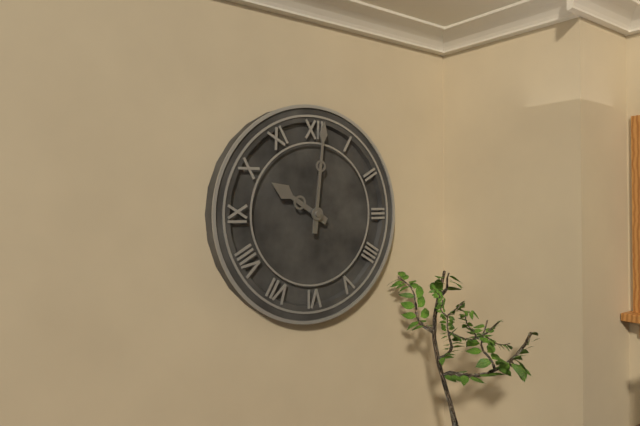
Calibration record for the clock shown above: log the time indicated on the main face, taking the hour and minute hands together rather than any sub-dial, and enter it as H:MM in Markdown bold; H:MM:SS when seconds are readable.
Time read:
**10:01**
